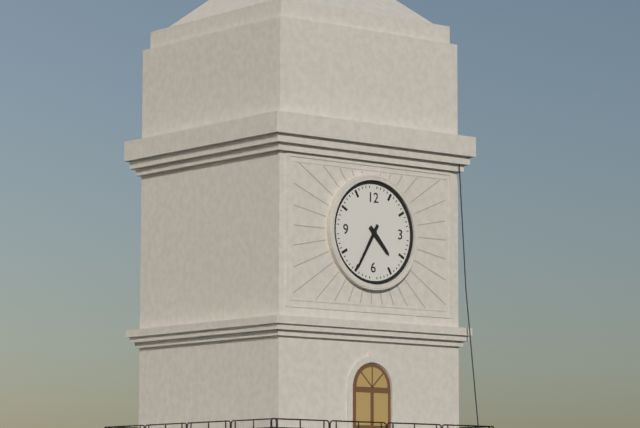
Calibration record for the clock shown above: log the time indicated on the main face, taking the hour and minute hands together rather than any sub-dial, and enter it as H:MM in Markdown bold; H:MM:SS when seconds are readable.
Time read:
**4:35**
